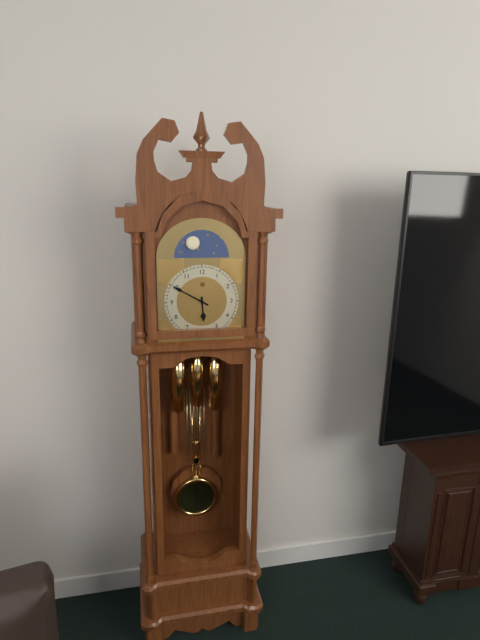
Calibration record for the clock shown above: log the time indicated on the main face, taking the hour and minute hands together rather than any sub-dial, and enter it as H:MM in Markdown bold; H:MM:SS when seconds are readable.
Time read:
**5:50**
